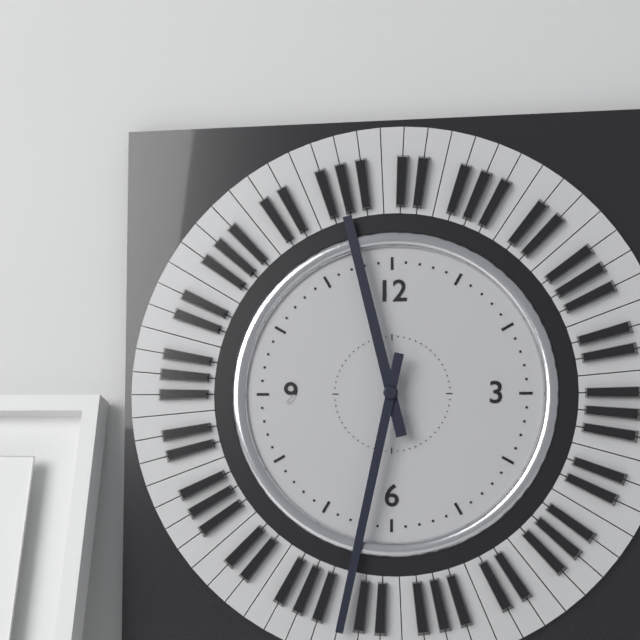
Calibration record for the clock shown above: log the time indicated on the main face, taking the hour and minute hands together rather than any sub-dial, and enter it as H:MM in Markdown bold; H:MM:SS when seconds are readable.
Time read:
**11:32**
